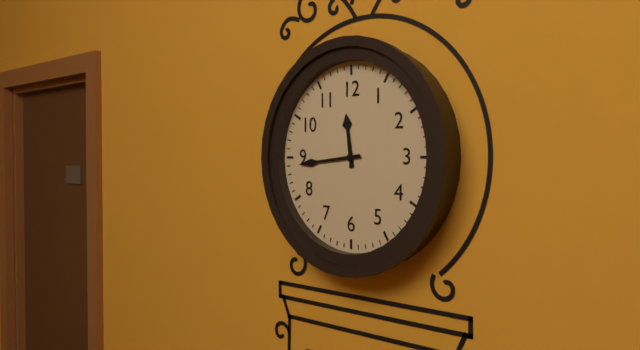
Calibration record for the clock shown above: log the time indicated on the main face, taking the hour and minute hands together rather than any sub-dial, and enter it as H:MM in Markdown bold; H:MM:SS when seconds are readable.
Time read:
**11:44**
